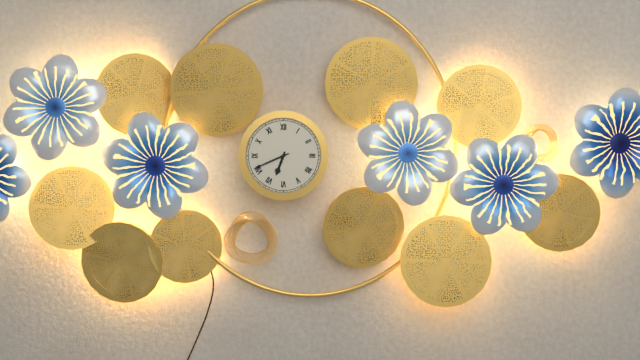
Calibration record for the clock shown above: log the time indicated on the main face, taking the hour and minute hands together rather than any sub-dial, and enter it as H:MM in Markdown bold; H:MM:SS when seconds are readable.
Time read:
**6:41**
